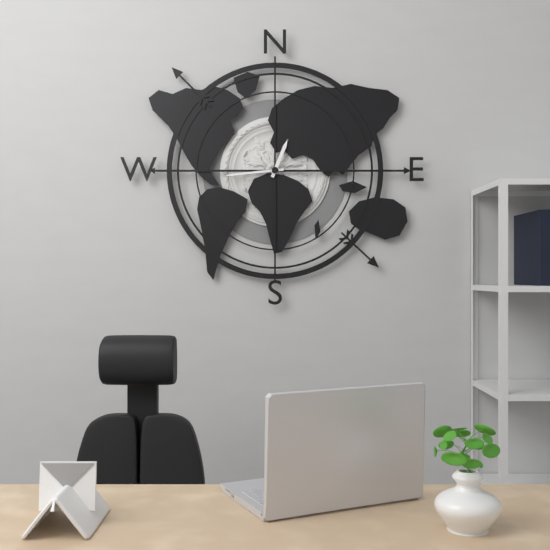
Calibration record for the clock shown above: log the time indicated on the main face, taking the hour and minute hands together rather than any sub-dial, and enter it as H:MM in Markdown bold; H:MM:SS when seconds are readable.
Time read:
**12:44**
